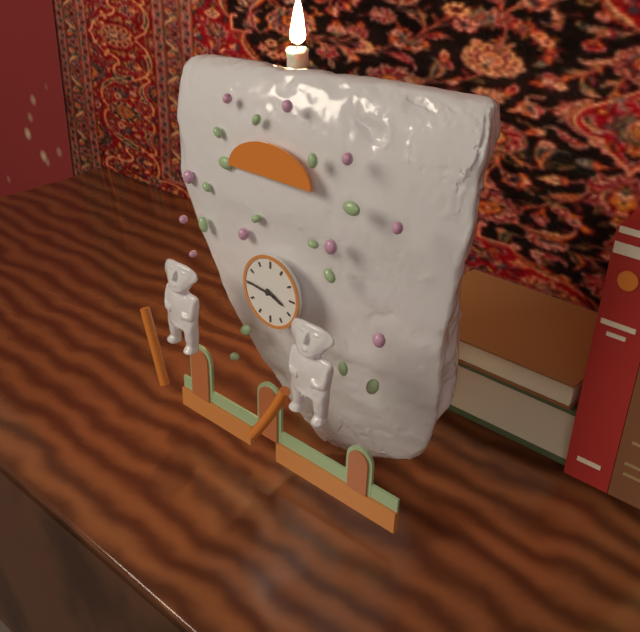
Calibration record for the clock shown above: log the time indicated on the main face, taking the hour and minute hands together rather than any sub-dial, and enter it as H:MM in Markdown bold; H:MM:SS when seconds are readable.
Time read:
**3:46**
